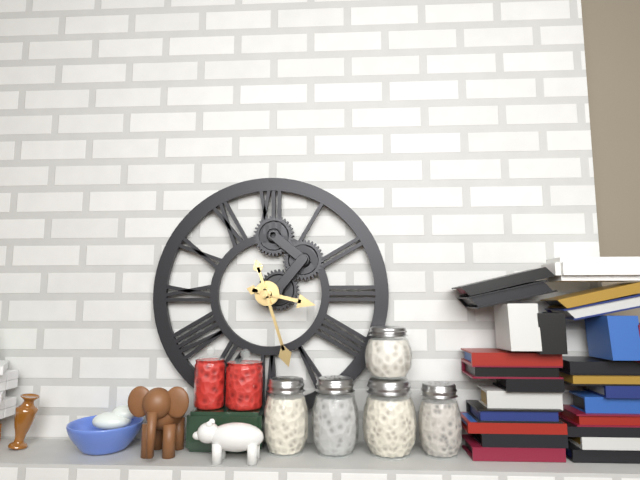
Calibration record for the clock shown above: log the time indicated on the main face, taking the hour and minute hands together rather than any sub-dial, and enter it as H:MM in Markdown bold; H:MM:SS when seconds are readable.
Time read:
**3:27**
